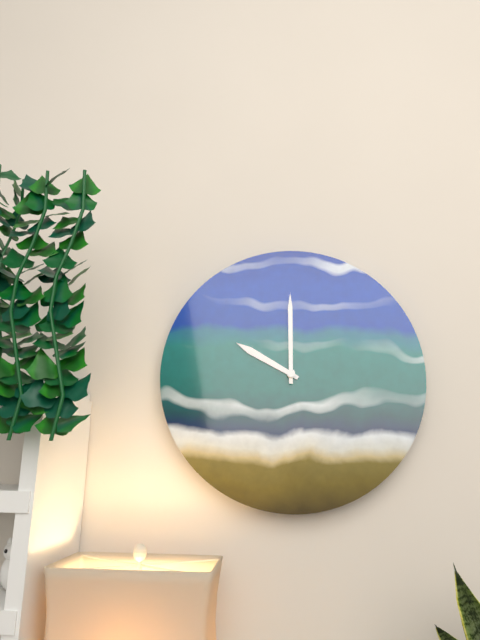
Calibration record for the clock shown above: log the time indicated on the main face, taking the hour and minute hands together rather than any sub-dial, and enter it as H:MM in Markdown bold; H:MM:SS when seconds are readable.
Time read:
**10:00**
